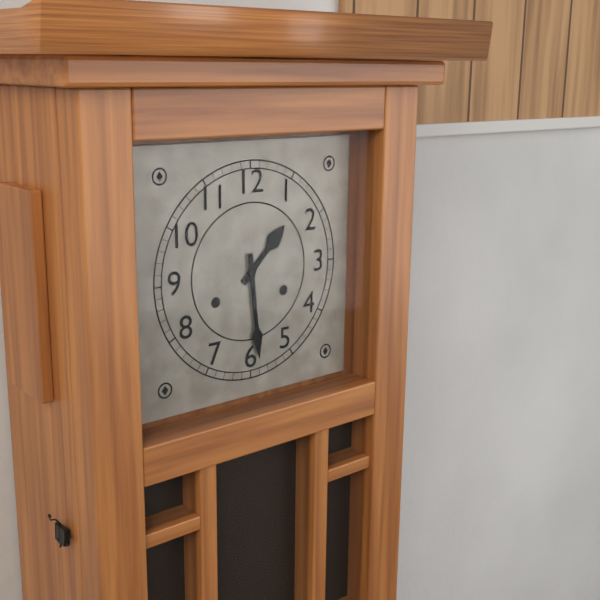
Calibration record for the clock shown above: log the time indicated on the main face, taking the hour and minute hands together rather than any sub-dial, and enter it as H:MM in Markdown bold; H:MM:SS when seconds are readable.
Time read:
**1:29**
